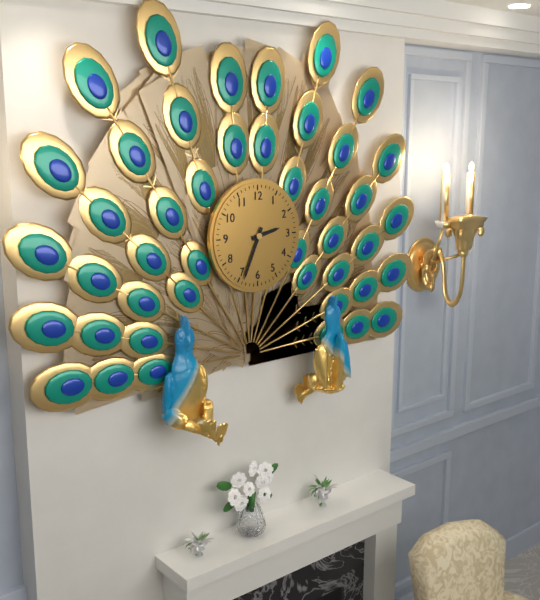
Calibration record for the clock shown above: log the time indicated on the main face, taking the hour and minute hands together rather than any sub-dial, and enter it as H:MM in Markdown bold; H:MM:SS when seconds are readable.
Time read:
**2:34**
